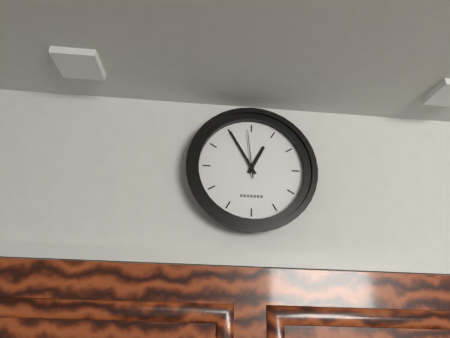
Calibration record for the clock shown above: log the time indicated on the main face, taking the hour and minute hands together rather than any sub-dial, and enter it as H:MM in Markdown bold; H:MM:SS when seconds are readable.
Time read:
**12:55**
